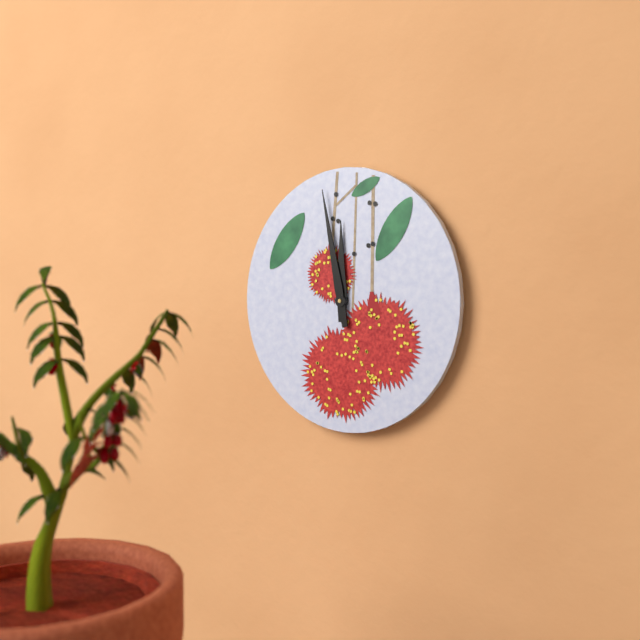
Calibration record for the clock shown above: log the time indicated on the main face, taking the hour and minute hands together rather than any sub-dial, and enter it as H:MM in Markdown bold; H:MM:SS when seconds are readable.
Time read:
**11:58**
